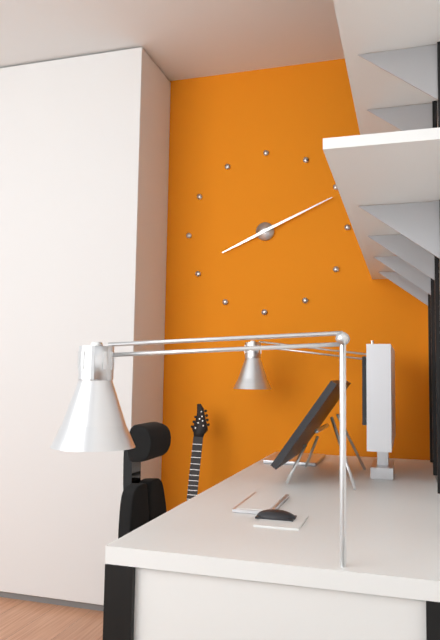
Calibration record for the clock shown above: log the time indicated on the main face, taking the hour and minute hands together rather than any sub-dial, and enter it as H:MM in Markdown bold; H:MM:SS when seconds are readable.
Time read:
**8:11**
